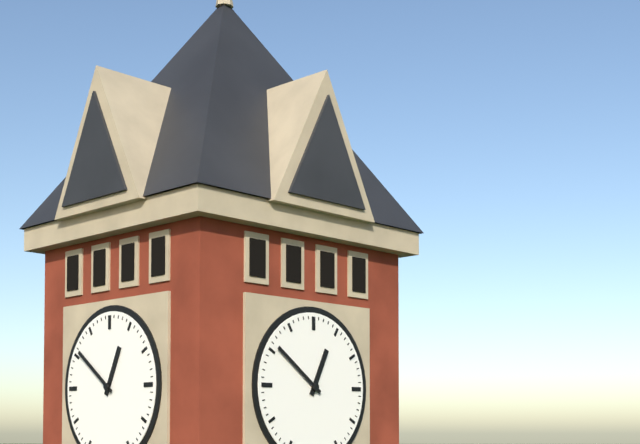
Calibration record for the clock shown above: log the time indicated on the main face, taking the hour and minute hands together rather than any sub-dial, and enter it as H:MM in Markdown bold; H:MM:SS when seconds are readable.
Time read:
**12:51**
